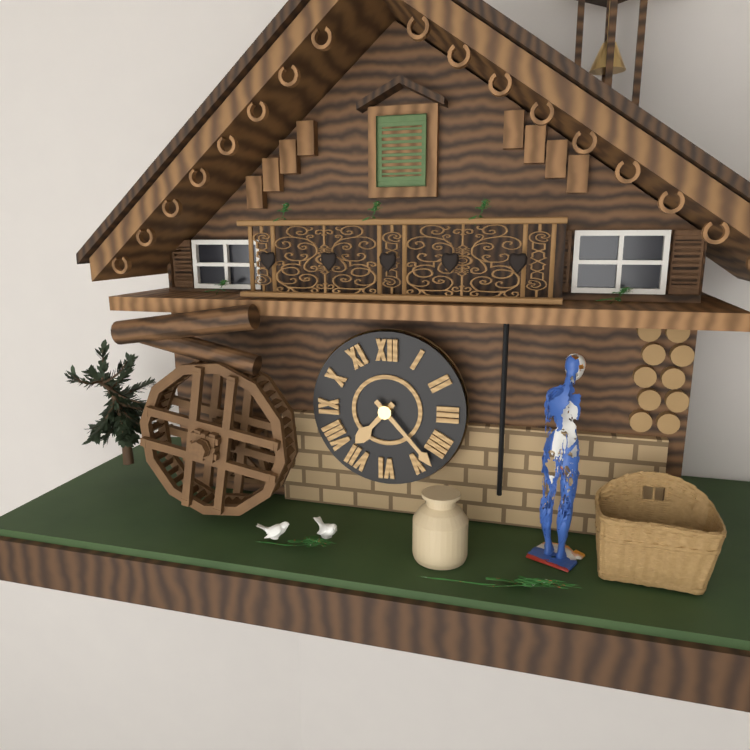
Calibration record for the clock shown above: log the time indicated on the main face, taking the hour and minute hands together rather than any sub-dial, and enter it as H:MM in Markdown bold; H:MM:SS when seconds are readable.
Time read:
**7:23**
